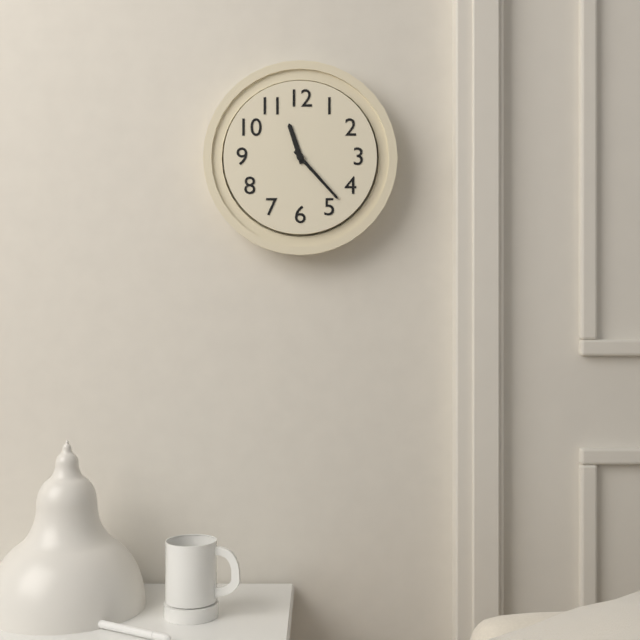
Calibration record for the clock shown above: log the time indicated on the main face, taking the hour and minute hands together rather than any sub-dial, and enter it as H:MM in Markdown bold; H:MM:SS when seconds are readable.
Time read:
**11:23**
